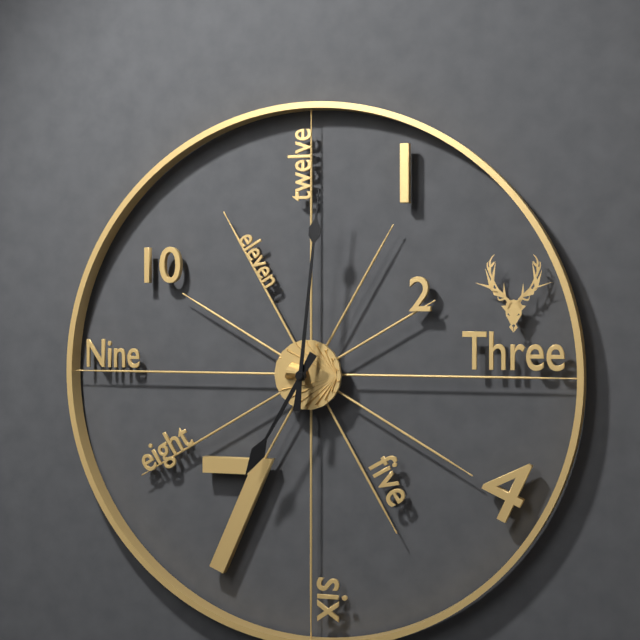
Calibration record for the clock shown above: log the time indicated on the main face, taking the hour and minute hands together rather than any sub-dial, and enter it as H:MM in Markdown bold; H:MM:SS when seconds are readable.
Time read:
**7:01**
